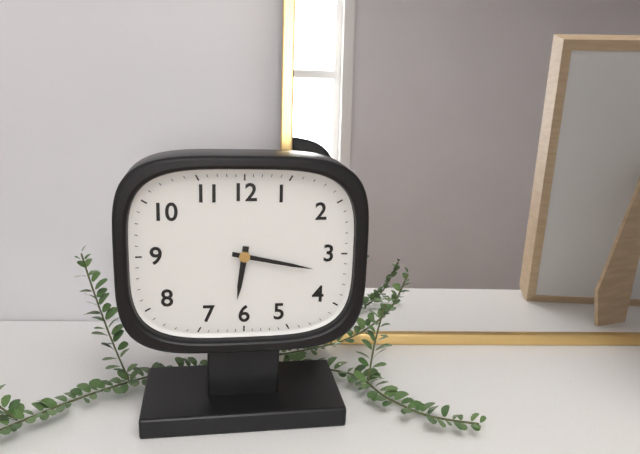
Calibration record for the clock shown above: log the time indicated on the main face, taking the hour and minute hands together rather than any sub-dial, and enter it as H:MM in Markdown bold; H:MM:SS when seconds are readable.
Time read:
**6:17**
